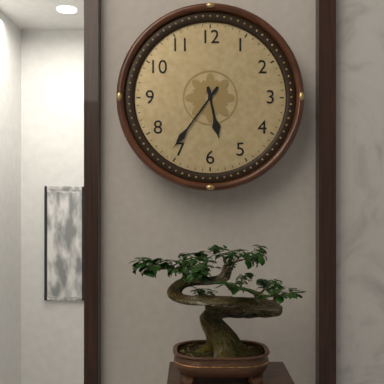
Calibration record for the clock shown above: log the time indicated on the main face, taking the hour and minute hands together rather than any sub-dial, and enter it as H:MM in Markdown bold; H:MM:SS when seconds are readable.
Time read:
**5:36**
